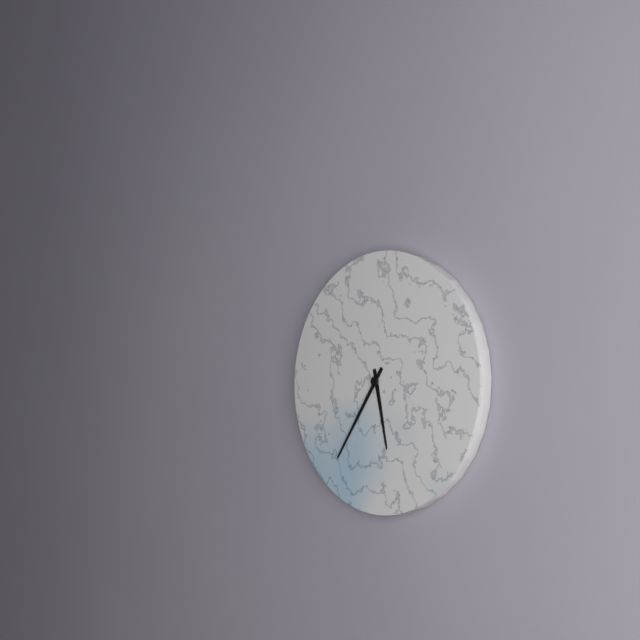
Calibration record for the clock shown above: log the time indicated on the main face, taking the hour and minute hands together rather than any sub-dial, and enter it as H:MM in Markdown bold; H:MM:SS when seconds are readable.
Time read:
**5:36**
